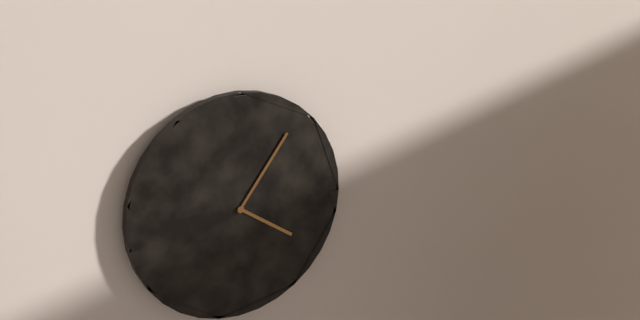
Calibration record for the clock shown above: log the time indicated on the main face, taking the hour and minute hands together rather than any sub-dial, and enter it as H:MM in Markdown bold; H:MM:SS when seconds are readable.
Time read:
**4:06**
